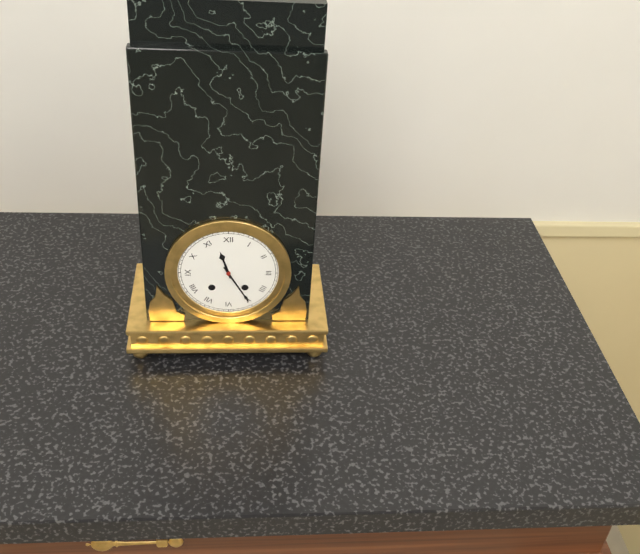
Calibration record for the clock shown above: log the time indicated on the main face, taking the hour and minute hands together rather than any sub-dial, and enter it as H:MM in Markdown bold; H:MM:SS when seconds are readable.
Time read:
**11:25**
